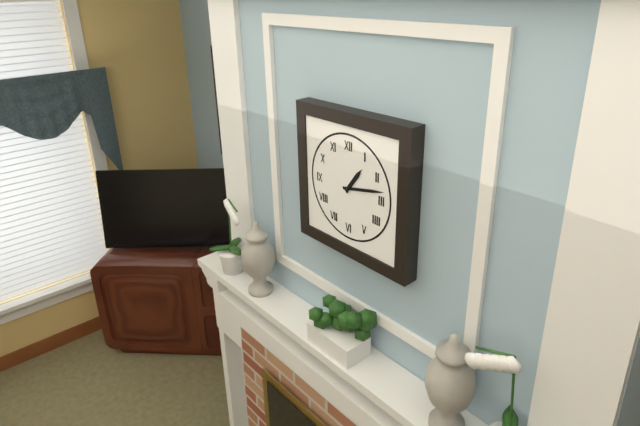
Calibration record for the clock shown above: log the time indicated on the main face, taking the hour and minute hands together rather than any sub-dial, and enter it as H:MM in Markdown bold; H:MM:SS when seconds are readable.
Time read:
**1:13**
